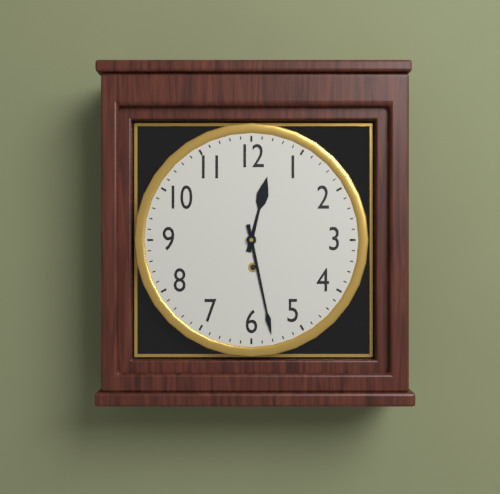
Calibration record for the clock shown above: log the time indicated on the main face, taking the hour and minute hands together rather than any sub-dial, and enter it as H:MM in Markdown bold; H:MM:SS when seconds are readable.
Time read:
**12:28**
